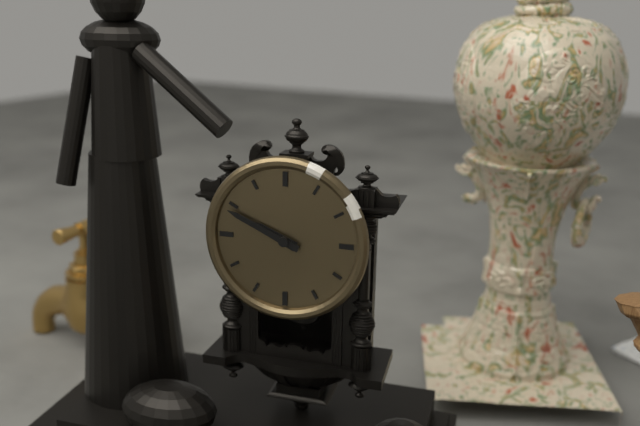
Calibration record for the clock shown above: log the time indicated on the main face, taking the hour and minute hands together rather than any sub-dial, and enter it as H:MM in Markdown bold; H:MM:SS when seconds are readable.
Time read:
**9:49**
